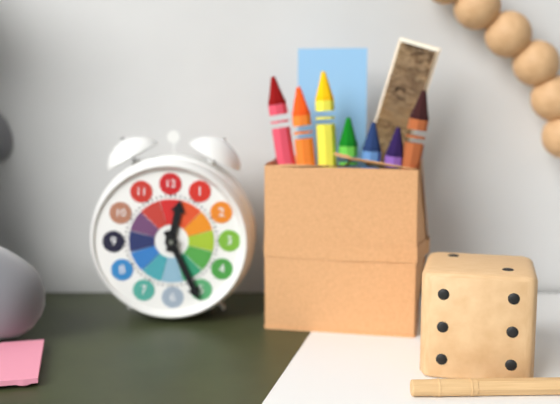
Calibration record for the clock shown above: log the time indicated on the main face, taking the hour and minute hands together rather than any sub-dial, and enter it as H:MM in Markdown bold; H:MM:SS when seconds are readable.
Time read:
**12:26**
